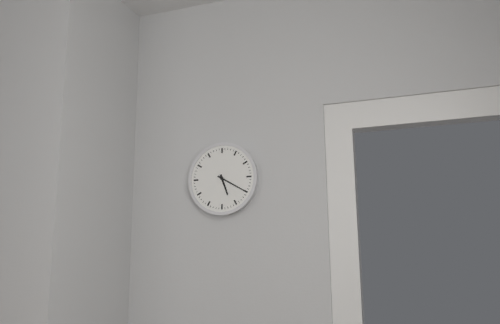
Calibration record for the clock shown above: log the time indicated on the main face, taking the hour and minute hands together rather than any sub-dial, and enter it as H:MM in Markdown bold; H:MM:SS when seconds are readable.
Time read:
**5:20**
